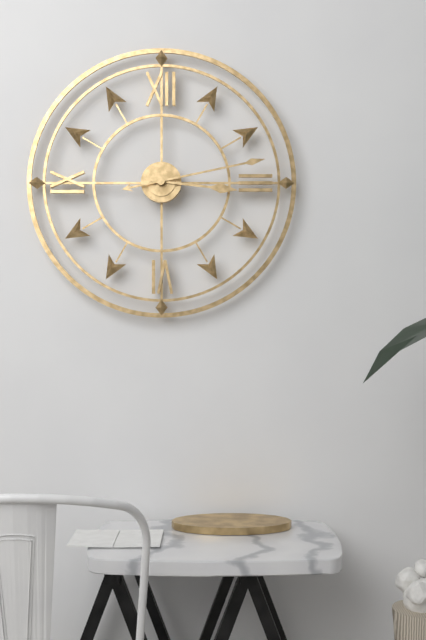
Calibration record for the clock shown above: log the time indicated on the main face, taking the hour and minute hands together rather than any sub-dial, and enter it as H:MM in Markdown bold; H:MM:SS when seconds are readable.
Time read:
**3:13**
